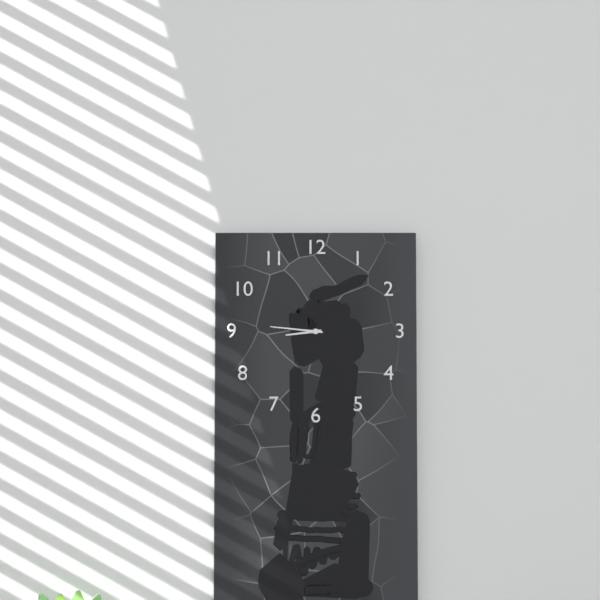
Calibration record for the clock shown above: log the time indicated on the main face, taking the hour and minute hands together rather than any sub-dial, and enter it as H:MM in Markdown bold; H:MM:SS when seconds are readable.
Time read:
**8:46**
